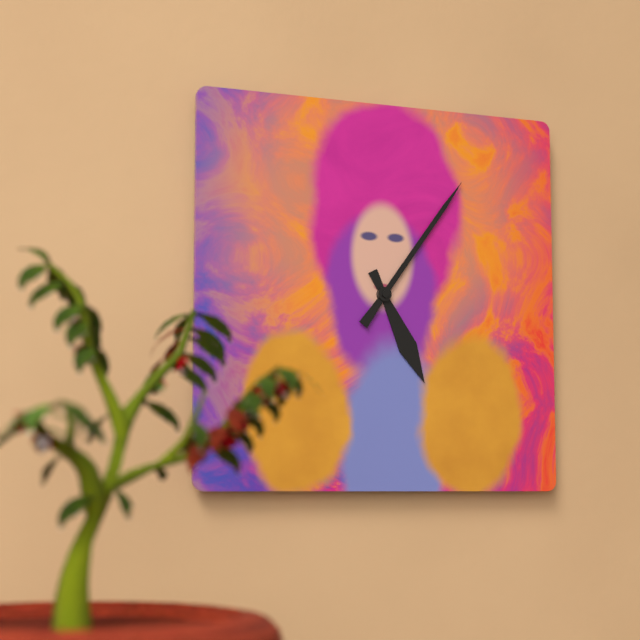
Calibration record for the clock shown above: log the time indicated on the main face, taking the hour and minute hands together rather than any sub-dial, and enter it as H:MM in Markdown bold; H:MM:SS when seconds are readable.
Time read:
**5:06**
